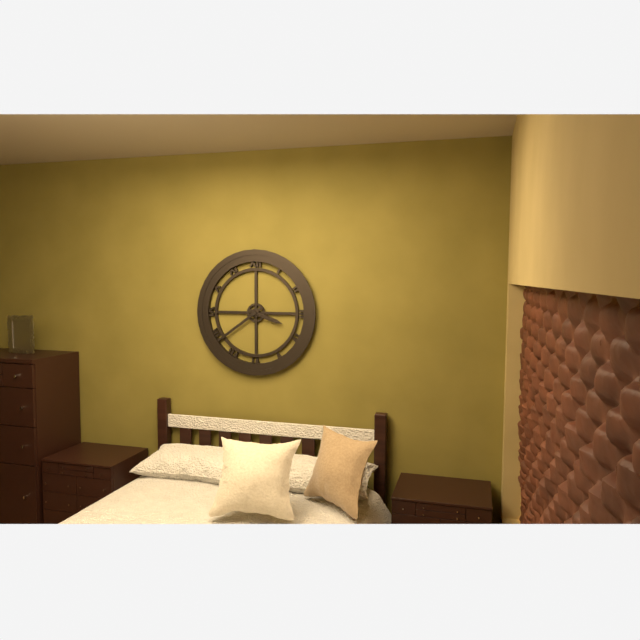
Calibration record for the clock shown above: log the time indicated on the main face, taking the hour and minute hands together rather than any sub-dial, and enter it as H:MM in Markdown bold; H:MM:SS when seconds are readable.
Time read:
**3:39**
